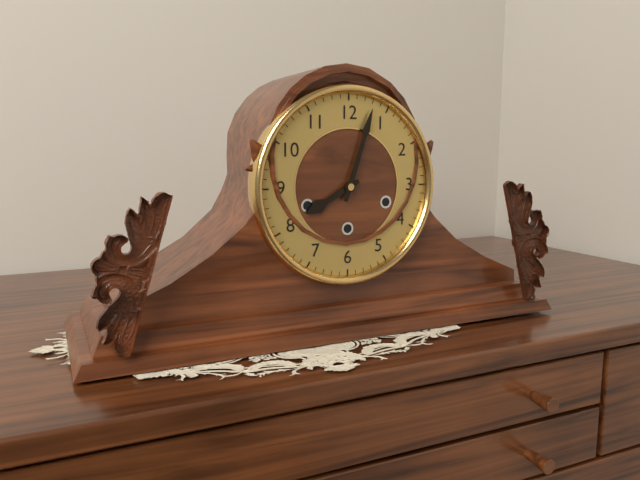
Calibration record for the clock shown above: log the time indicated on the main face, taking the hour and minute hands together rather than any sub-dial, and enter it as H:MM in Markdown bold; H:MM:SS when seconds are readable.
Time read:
**8:03**
